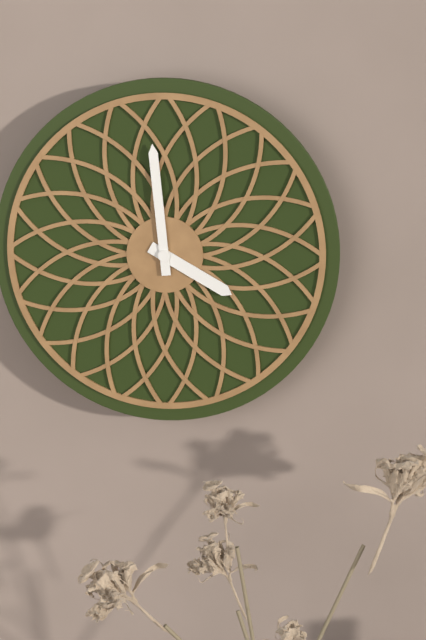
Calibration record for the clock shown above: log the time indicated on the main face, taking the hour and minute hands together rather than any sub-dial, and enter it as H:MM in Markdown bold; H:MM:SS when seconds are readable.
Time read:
**3:59**
